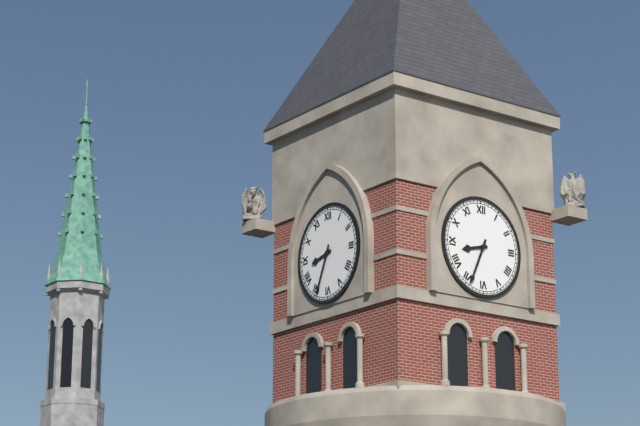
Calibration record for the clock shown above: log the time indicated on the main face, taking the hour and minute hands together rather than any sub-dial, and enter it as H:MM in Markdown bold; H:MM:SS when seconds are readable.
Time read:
**8:34**
